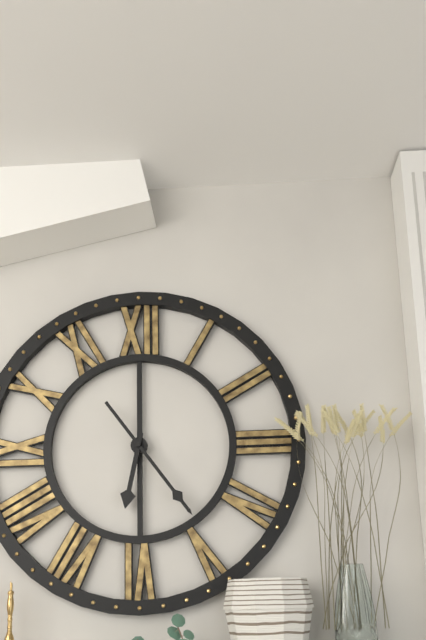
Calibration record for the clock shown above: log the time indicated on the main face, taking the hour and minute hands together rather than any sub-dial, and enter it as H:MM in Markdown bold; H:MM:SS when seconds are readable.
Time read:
**6:24**
